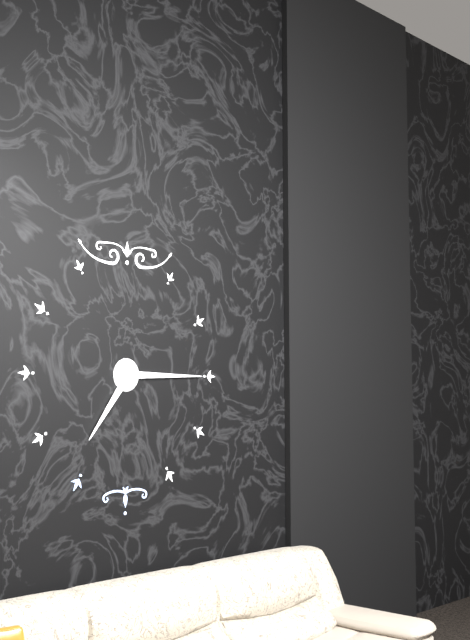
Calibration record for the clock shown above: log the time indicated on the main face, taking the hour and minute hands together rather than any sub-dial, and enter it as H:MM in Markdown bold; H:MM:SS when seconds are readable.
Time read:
**7:15**
